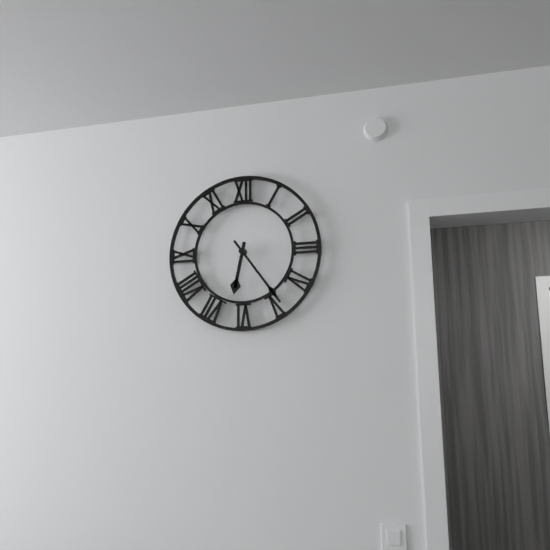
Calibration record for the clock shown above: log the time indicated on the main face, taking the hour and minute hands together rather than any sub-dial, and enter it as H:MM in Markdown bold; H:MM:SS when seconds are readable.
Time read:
**6:24**
